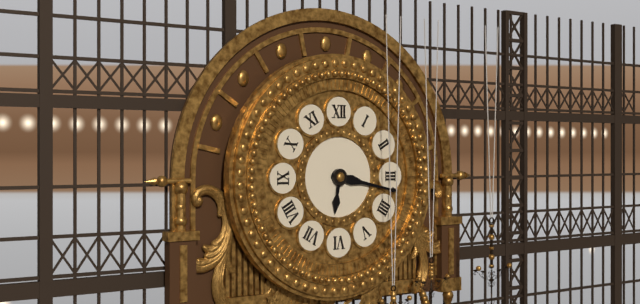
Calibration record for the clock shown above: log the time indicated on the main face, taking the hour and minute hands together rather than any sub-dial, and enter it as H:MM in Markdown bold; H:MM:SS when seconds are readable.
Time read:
**6:17**
